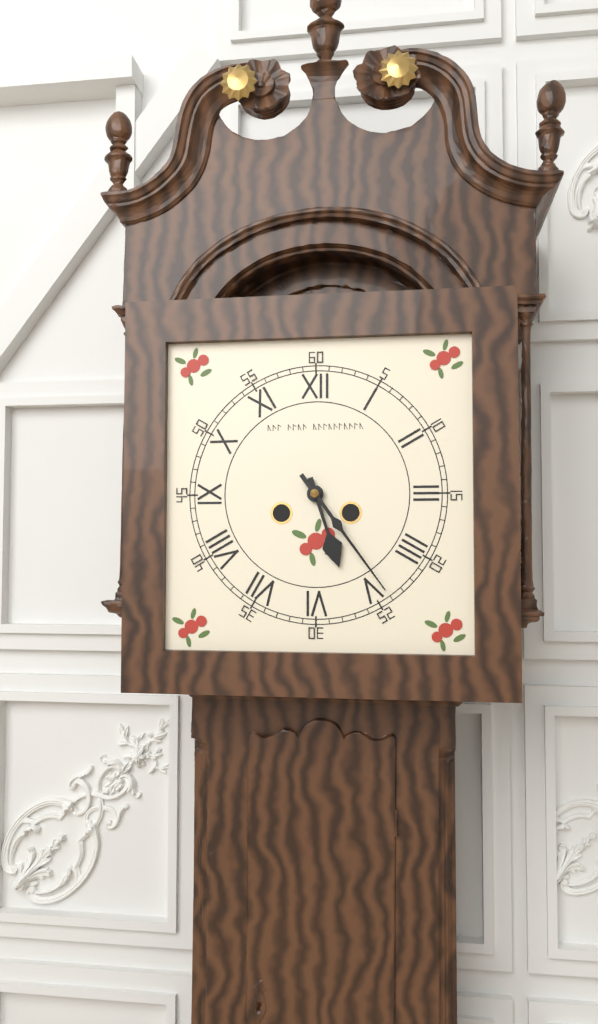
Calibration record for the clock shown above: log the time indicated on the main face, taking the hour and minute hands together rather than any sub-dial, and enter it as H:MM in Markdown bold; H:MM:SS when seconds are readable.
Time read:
**5:24**
